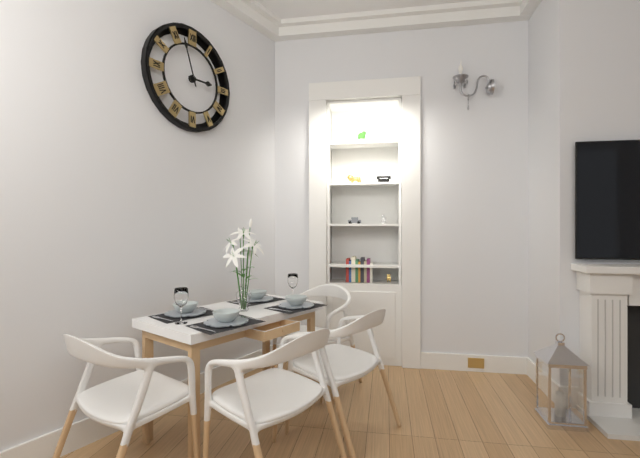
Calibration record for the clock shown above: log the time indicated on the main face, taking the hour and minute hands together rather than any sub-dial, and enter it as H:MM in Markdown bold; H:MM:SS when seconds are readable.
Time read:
**2:57**
